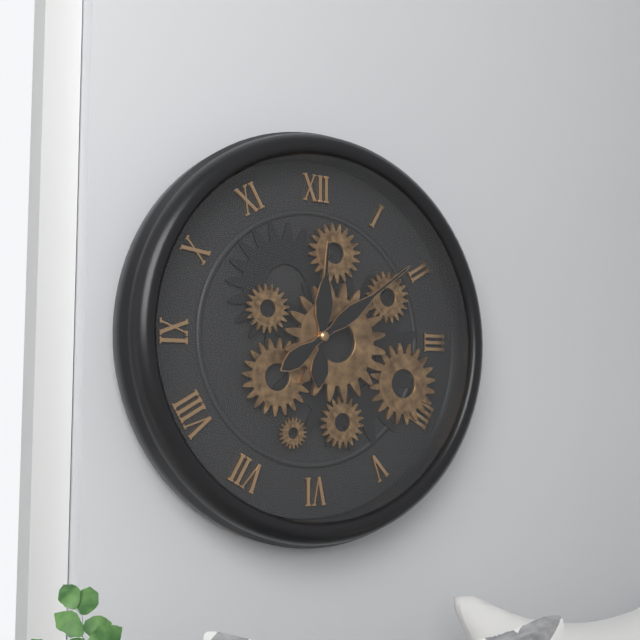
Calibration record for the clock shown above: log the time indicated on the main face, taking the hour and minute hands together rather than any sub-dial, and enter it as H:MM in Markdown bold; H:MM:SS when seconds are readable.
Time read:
**12:09**
